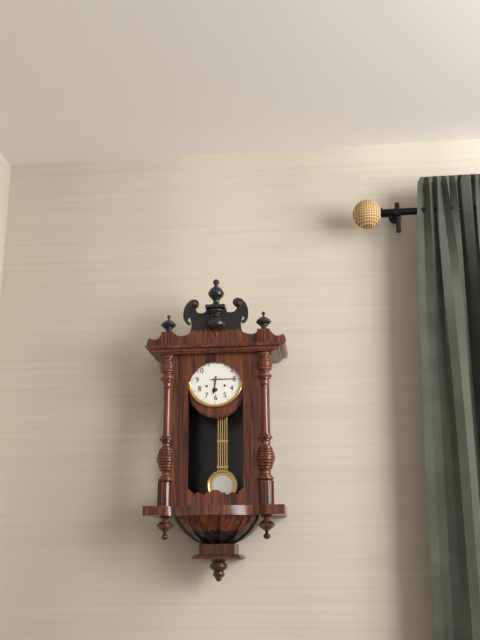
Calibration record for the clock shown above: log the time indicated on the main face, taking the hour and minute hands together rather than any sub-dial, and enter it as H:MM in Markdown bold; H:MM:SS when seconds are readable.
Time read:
**6:15**
